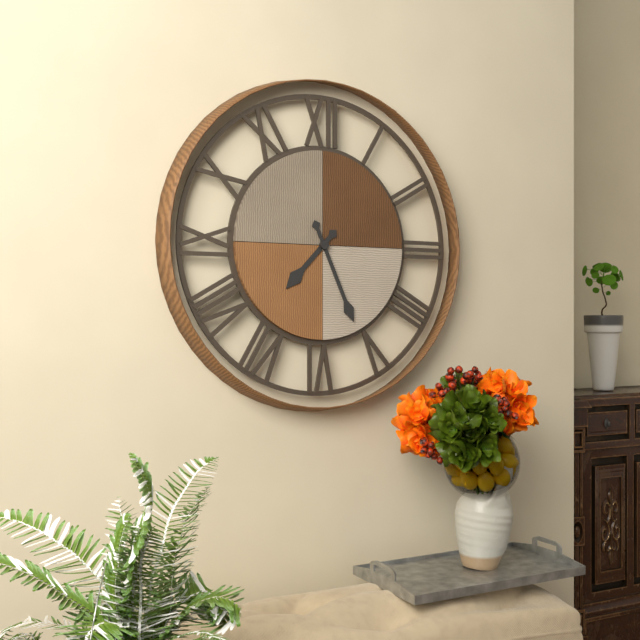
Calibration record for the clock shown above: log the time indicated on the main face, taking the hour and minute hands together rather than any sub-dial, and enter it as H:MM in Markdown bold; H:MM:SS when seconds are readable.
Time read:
**7:26**
